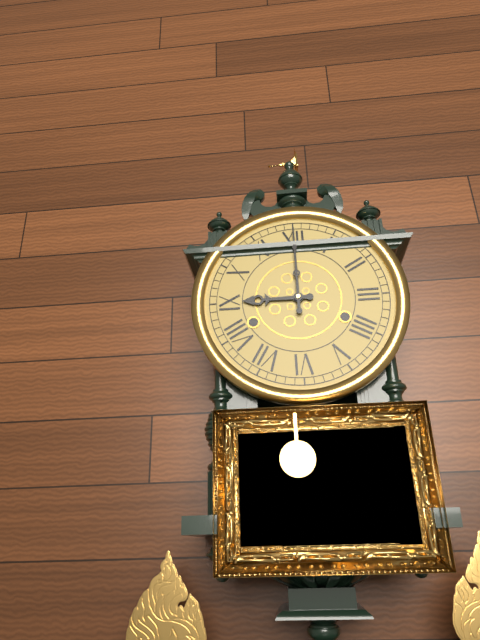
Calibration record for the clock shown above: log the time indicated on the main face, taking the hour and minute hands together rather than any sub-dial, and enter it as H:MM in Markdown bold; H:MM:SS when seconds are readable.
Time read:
**9:00**
